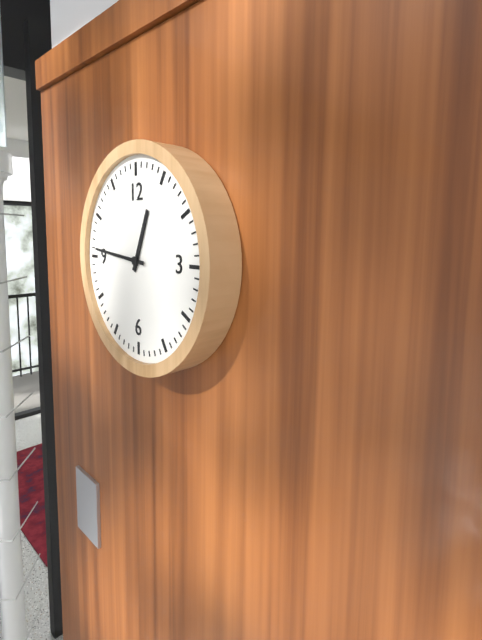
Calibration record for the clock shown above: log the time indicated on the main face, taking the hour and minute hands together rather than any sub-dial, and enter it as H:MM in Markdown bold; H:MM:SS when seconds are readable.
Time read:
**12:46**
